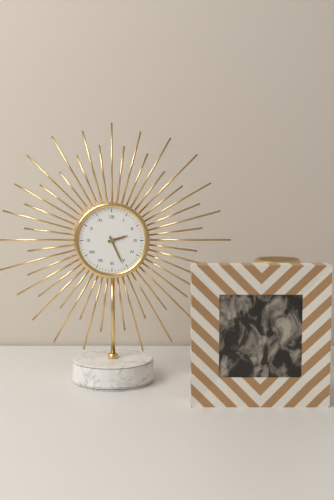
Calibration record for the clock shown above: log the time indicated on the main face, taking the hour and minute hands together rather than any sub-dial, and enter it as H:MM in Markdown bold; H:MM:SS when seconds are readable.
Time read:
**2:26**
